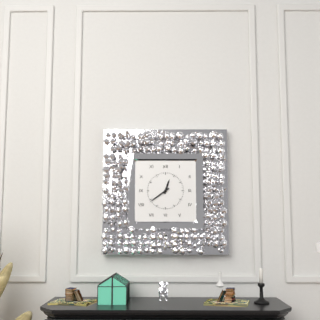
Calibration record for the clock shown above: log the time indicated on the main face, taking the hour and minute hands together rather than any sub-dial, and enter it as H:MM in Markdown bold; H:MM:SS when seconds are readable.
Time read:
**12:39**
